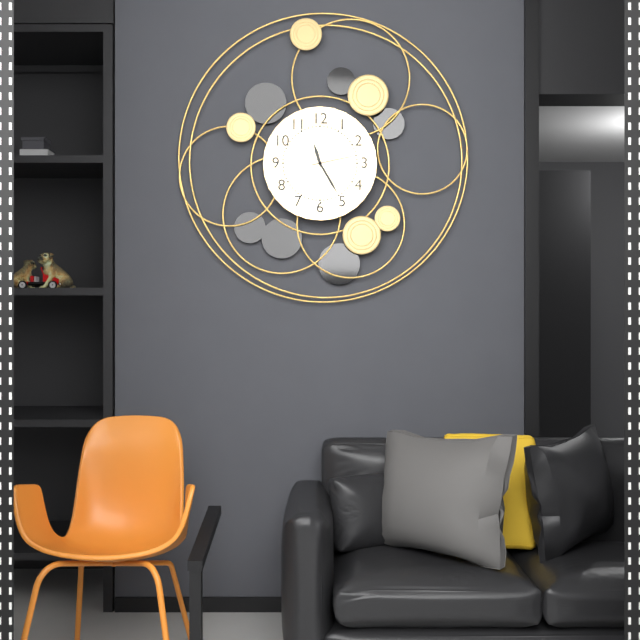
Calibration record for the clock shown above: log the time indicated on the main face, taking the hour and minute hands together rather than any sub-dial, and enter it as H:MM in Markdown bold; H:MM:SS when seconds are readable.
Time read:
**11:25**
